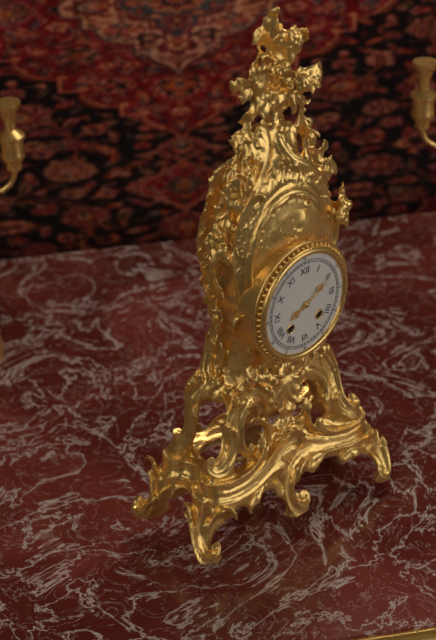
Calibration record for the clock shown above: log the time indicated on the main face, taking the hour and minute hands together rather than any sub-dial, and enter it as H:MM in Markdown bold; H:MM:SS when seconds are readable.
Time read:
**8:10**
